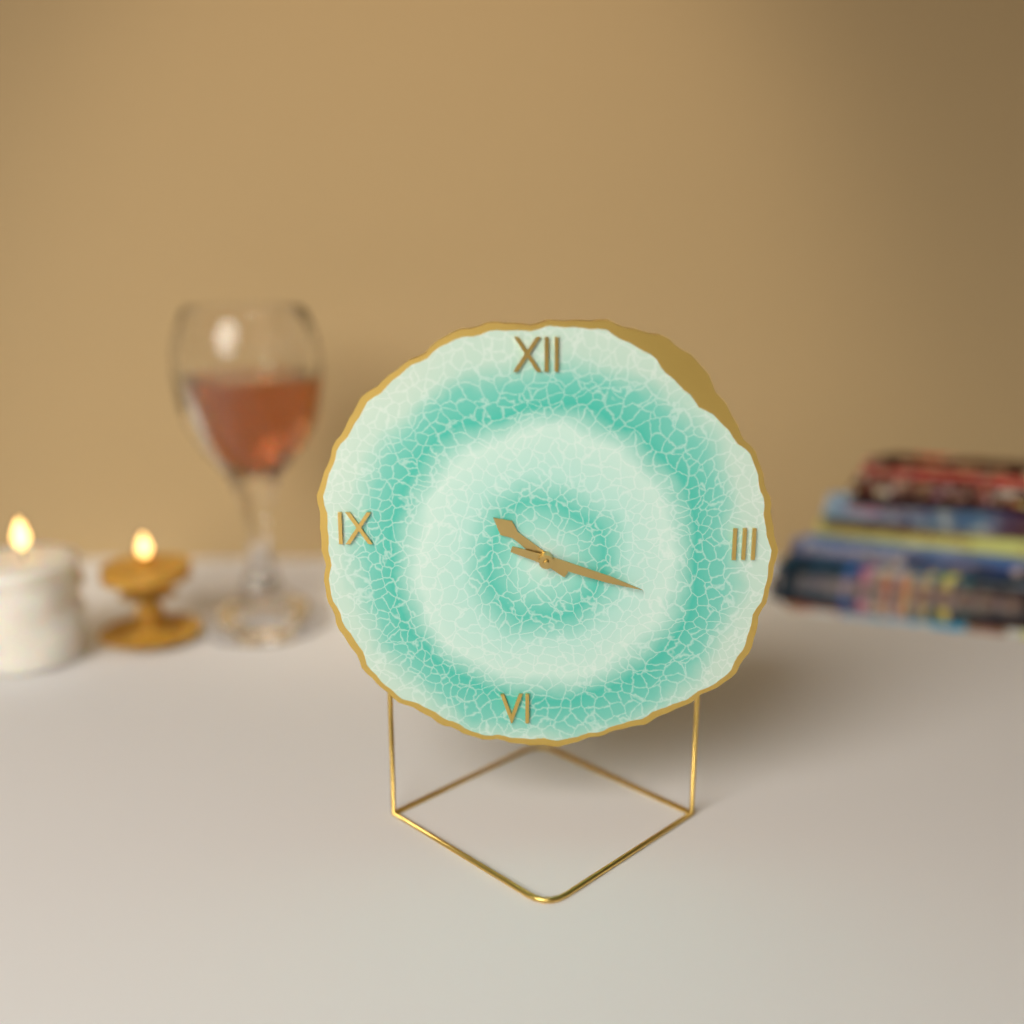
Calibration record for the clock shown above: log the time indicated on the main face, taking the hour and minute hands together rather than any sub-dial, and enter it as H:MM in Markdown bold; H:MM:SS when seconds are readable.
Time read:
**10:18**
